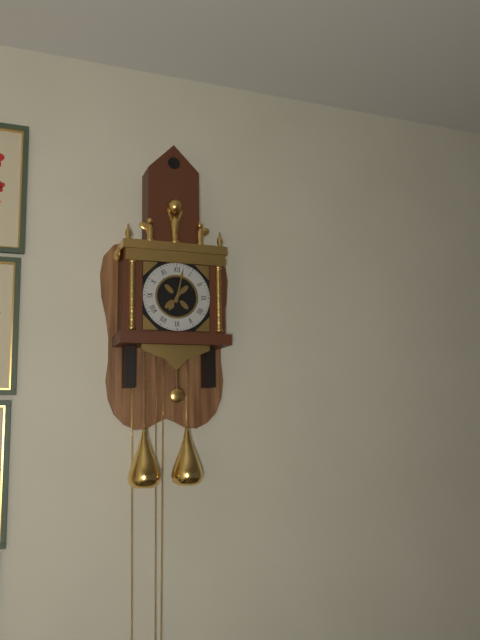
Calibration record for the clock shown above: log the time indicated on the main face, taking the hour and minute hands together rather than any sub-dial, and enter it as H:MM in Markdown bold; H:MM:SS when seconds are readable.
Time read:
**7:02**
